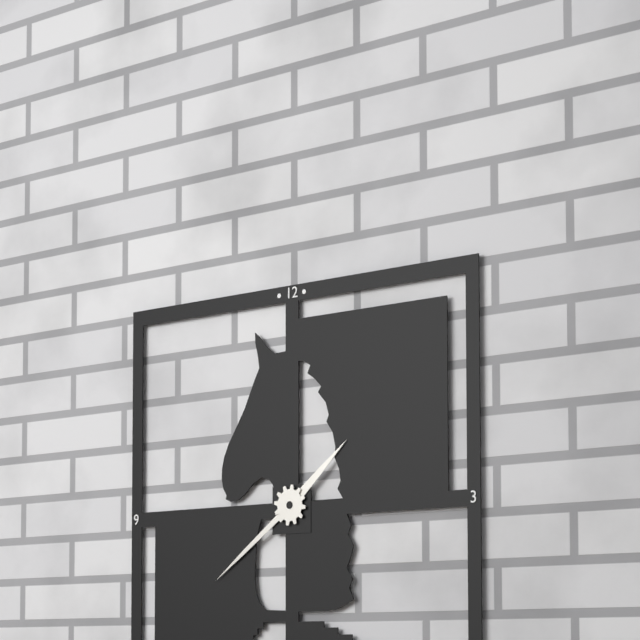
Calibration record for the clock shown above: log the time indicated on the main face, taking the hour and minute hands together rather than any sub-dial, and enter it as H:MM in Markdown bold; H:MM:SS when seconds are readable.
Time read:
**1:39**
